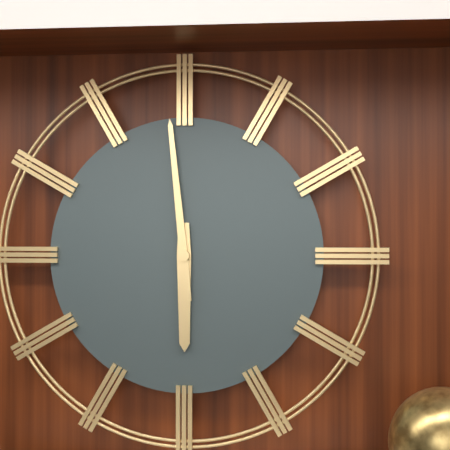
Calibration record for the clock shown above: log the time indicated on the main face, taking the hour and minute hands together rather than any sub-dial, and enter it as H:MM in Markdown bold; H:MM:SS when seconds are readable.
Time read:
**5:59**
